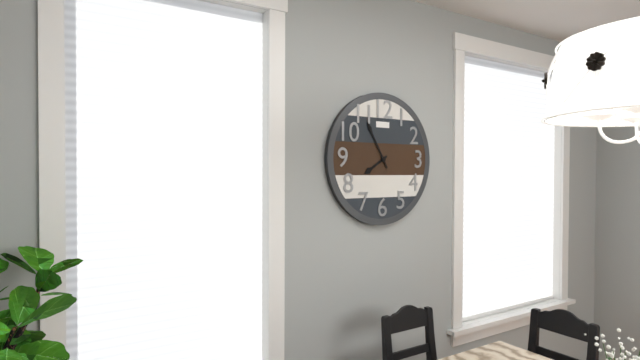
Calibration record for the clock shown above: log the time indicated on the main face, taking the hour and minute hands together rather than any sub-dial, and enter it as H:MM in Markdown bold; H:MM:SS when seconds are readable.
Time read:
**7:55**
